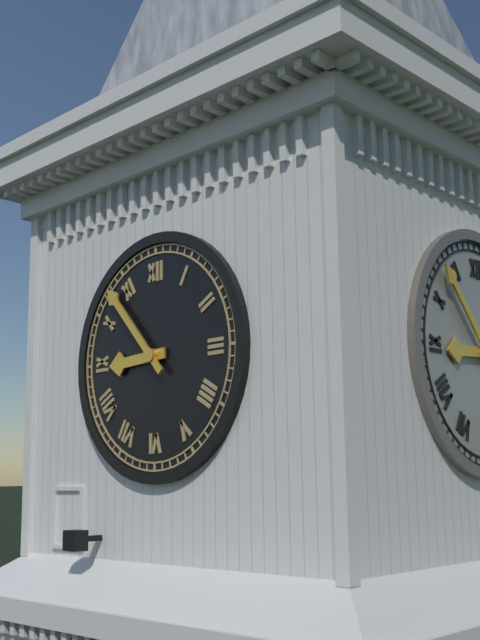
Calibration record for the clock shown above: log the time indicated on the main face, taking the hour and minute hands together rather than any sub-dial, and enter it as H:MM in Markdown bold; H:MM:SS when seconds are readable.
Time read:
**8:53**
